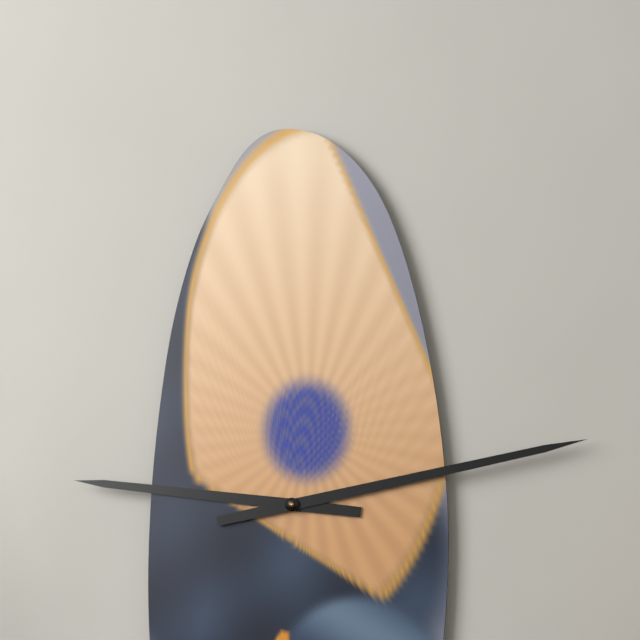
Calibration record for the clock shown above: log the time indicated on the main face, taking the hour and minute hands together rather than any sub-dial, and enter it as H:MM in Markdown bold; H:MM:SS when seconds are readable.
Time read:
**9:13**
